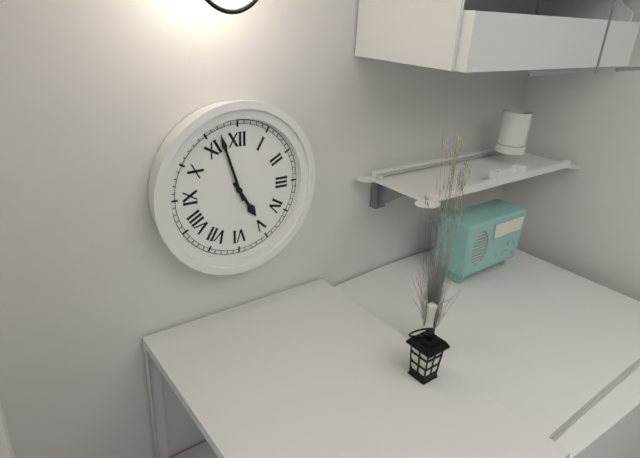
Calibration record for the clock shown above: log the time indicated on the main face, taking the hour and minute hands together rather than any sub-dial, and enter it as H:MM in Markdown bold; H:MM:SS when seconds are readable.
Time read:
**4:57**
